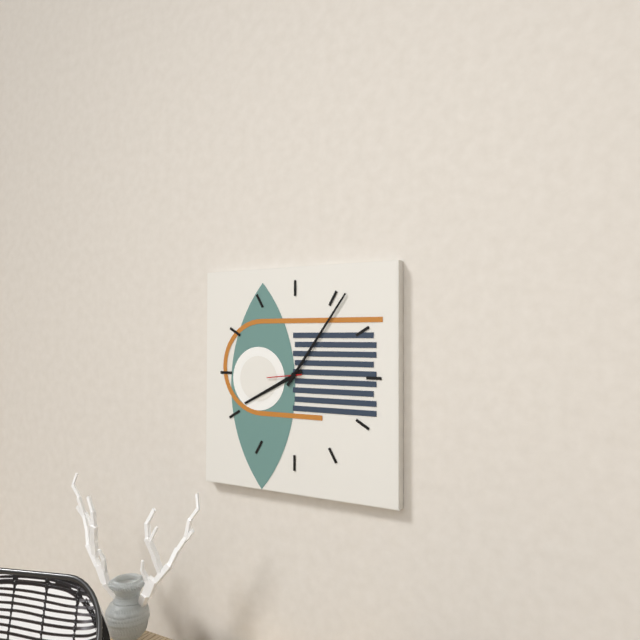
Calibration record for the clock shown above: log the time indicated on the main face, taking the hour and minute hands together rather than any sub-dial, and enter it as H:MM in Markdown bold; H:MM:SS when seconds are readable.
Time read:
**8:06**
